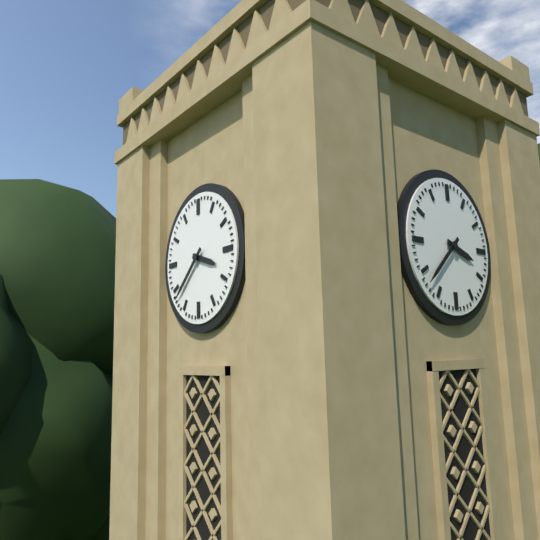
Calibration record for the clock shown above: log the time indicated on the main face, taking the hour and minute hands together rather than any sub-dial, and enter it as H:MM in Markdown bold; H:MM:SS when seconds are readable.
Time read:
**3:38**
